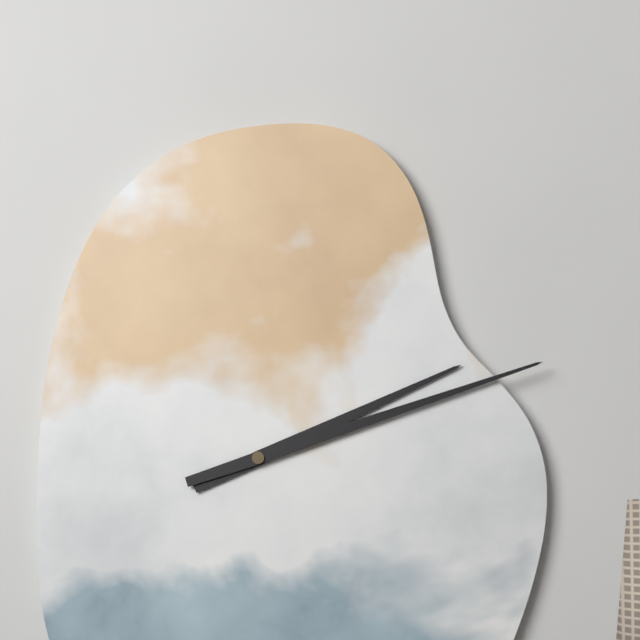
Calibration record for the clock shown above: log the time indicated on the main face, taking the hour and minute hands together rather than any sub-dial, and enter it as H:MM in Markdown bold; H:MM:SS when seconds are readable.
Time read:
**2:12**
